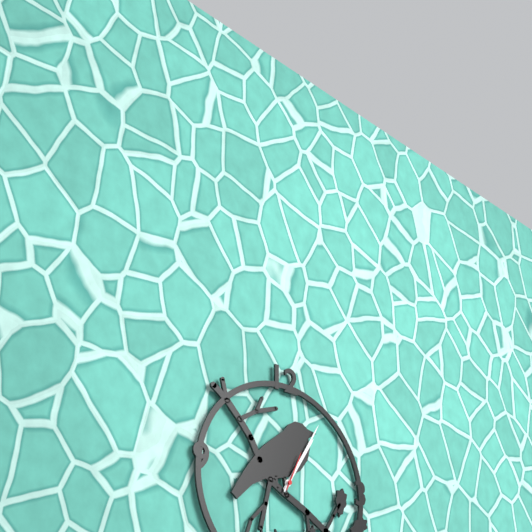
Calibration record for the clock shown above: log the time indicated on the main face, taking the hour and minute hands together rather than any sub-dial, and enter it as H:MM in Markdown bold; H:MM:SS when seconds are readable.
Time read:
**1:05**
